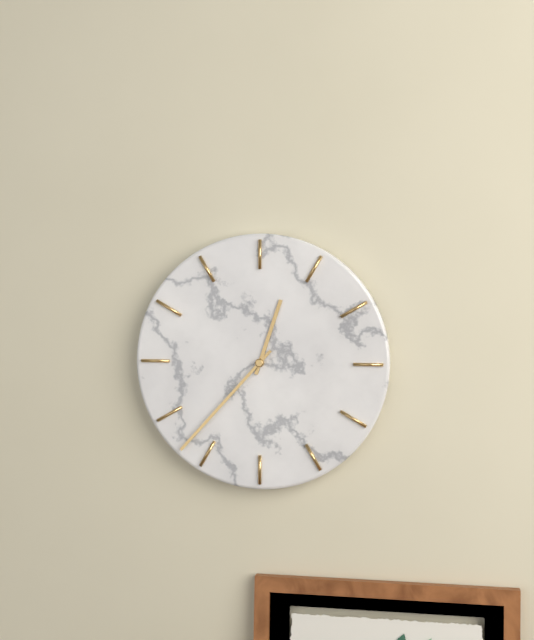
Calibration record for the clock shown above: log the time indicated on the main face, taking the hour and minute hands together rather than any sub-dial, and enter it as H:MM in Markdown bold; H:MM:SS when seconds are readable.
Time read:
**12:37**
